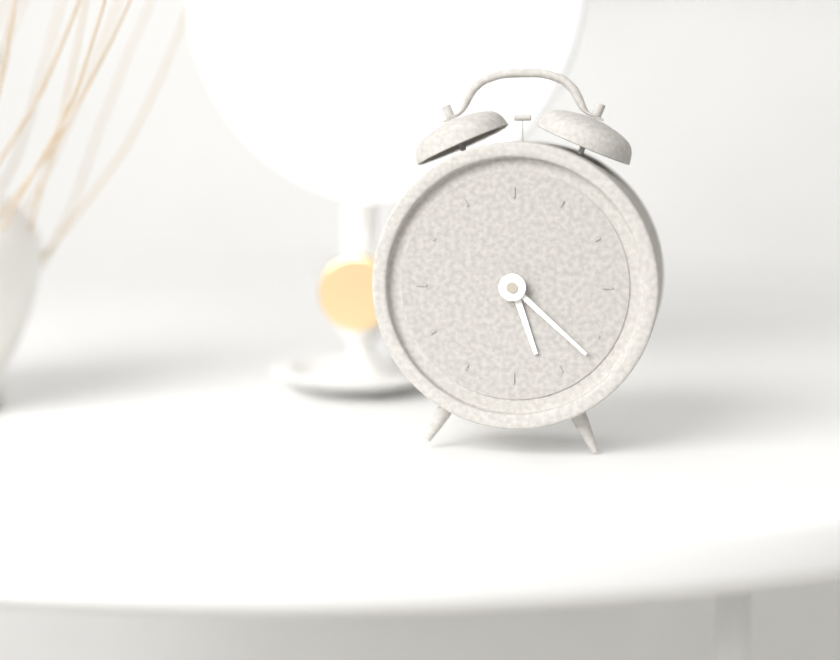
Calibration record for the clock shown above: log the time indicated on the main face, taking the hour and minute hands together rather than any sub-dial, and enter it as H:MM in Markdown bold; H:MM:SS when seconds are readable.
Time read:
**5:22**
